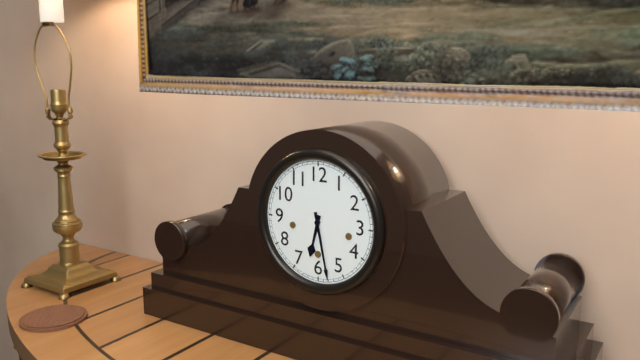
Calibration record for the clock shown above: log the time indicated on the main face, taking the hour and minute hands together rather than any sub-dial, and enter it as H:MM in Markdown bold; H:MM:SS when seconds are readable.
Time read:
**6:28**
